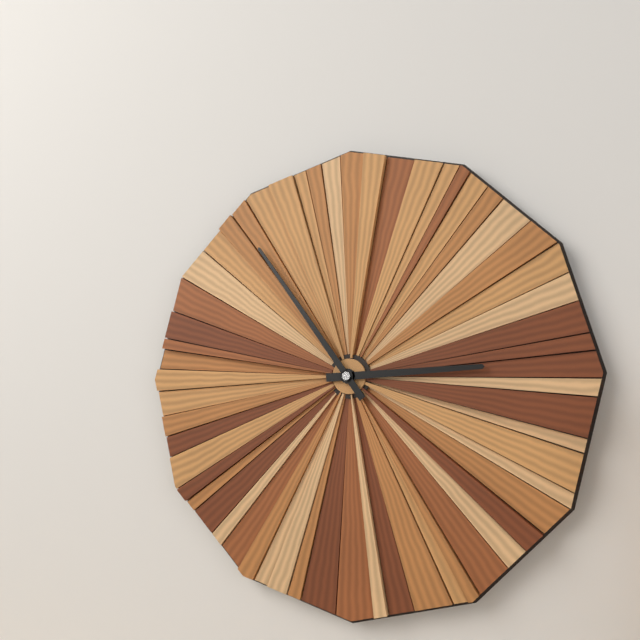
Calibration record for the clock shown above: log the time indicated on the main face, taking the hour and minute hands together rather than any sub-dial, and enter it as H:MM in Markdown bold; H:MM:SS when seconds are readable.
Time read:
**2:54**
